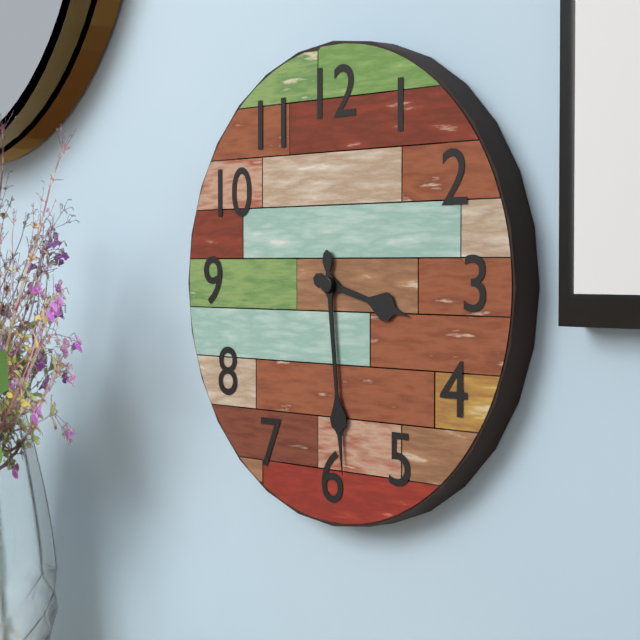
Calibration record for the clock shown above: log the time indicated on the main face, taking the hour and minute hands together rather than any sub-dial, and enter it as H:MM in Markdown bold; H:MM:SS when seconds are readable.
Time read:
**3:29**
